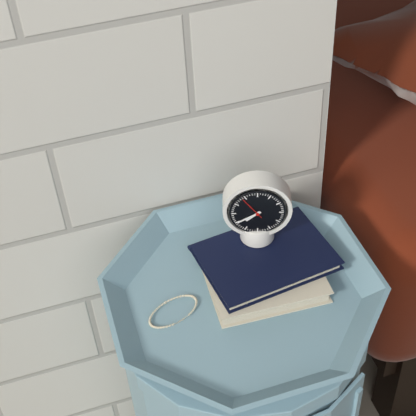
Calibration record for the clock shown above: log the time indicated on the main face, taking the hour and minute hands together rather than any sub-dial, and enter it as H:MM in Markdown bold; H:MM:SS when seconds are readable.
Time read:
**7:40**
